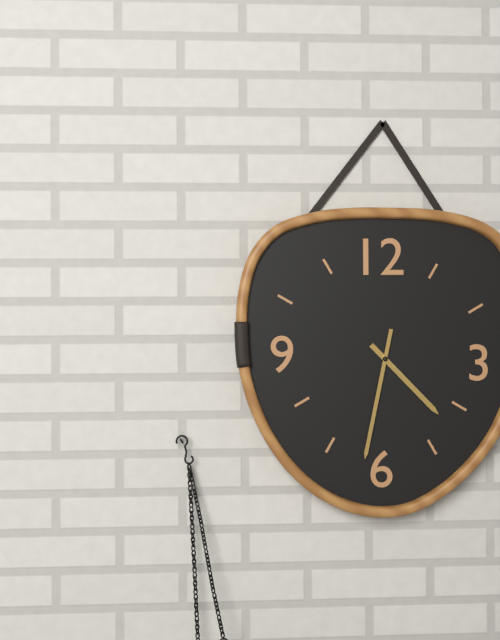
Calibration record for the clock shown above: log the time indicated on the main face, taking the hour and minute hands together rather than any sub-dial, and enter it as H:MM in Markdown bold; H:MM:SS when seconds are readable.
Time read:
**4:32**
